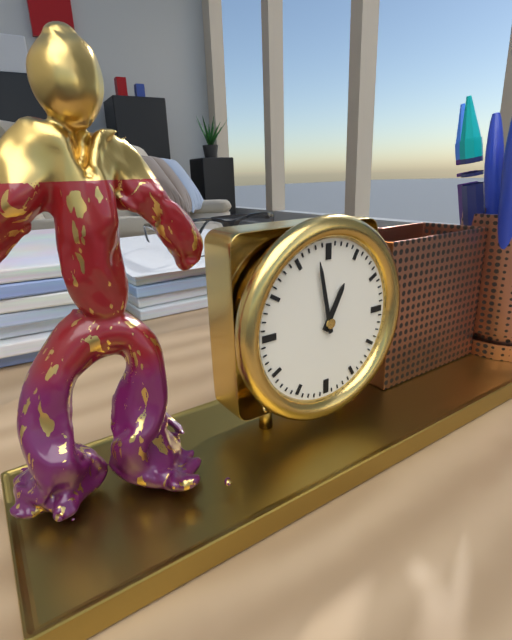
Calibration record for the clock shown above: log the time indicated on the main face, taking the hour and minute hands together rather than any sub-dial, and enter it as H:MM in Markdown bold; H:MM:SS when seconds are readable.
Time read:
**12:58**
